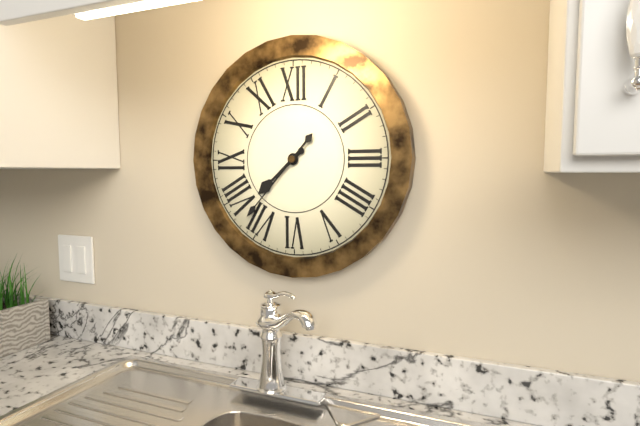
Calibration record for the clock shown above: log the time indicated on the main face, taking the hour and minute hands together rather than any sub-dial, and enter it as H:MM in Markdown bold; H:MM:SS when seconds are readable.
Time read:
**7:37**
